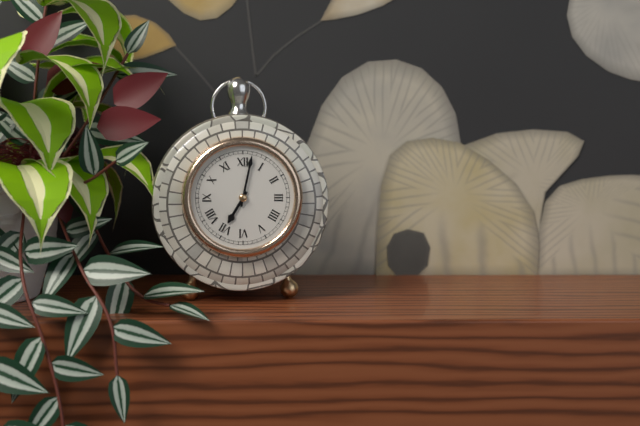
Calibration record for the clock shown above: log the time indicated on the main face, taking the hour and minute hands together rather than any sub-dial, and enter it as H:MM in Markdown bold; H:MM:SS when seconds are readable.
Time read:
**7:02**
